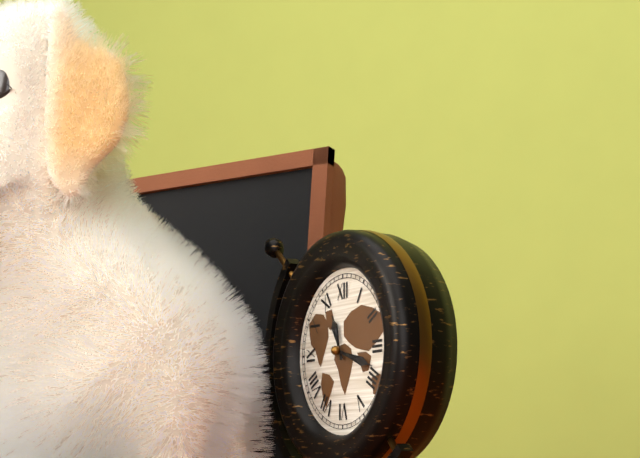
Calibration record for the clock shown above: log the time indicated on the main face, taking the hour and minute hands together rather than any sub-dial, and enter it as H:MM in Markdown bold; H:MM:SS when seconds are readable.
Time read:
**11:18**
